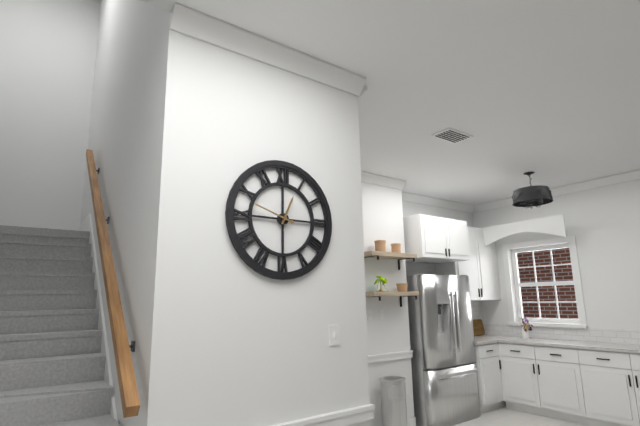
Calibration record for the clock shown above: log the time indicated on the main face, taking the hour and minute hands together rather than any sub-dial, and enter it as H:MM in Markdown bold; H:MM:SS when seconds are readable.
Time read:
**12:48**
